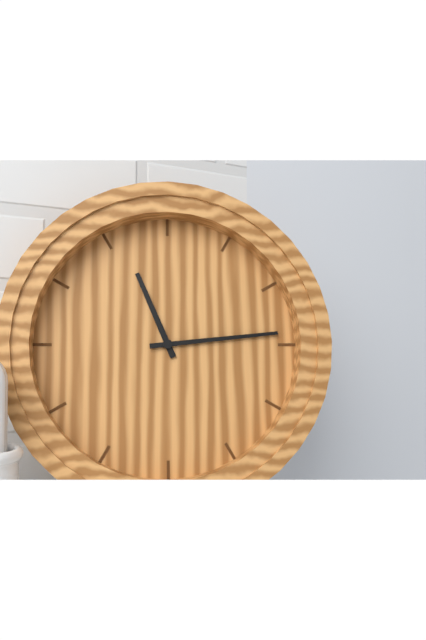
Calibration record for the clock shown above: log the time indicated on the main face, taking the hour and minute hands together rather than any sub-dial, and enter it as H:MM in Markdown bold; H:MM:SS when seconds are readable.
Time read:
**11:14**
